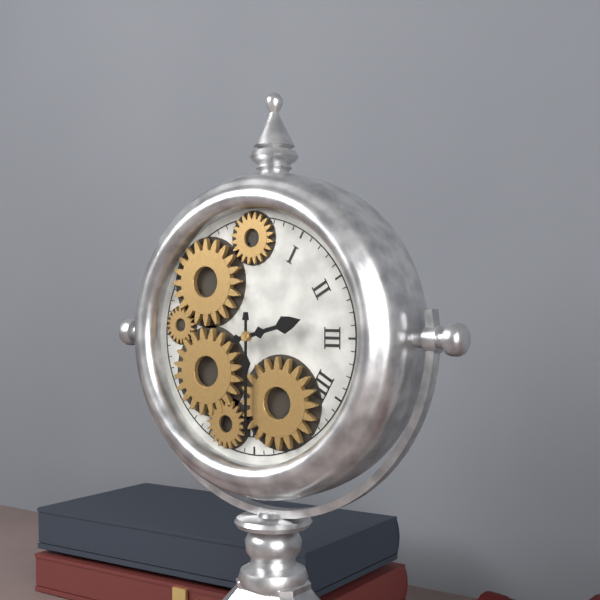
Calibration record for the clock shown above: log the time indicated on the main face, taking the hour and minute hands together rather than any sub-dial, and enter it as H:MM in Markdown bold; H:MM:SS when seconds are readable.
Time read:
**2:30**
